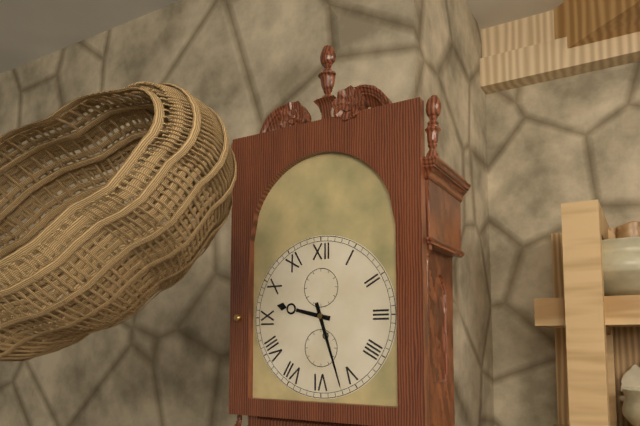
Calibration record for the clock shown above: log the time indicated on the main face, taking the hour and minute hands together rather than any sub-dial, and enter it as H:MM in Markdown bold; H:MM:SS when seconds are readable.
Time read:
**9:27**
